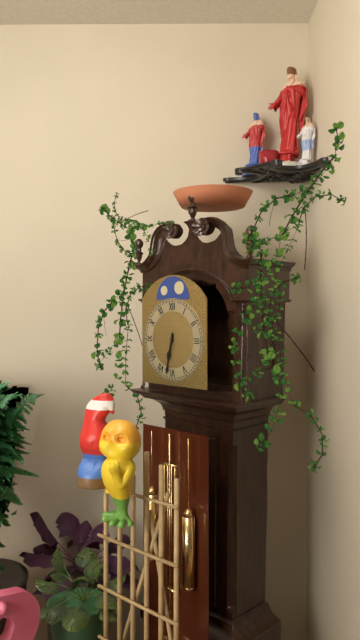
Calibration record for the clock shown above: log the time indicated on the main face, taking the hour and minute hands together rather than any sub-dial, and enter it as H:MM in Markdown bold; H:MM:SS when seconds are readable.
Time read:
**6:32**
